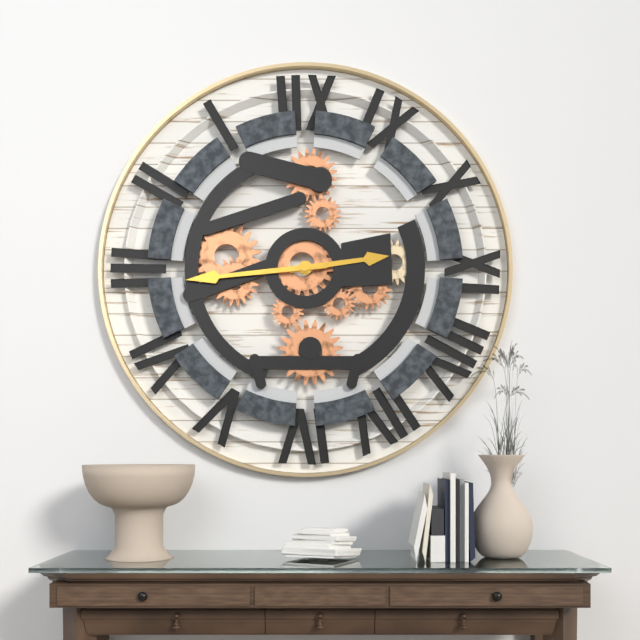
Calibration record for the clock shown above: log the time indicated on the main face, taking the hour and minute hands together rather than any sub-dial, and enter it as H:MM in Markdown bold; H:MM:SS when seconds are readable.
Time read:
**2:44**
